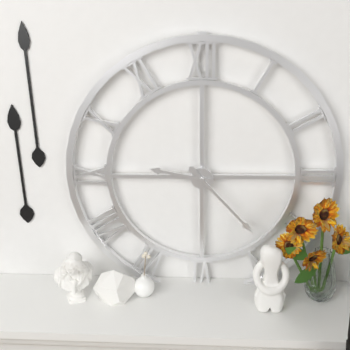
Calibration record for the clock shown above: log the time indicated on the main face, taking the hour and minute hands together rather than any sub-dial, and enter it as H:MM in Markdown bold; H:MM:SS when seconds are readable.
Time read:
**9:23**
